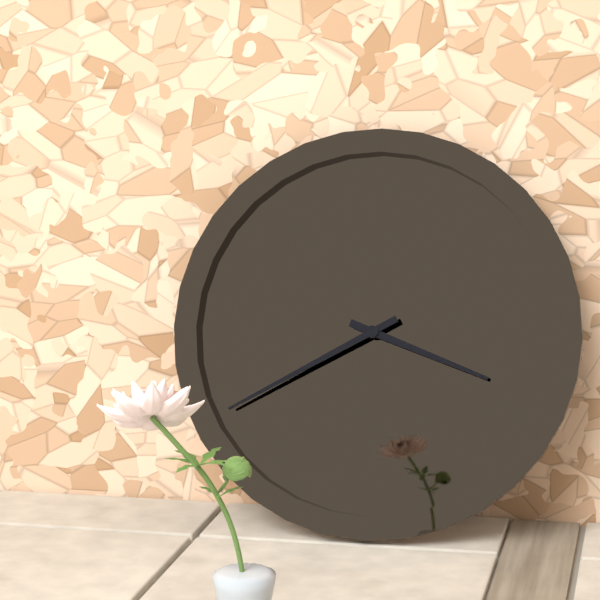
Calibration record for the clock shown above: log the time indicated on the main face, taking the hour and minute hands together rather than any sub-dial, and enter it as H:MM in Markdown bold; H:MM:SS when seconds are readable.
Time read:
**3:40**
